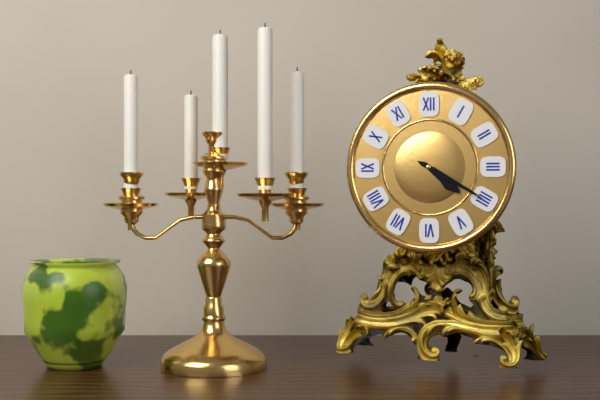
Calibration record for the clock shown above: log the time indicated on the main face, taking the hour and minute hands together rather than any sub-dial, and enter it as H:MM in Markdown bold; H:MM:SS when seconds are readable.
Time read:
**4:20**
